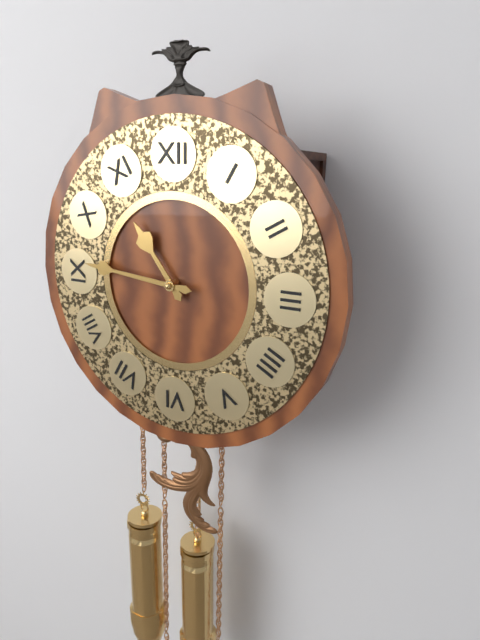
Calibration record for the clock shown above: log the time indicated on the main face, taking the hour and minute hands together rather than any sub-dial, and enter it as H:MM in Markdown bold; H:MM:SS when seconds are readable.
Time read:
**10:46**
